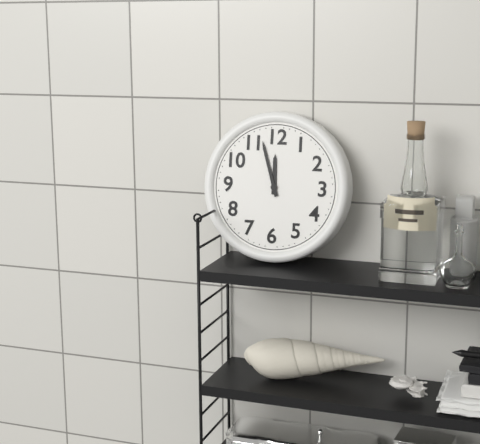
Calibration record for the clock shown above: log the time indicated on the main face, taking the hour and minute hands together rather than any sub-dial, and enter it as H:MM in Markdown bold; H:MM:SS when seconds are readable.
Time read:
**11:57**
